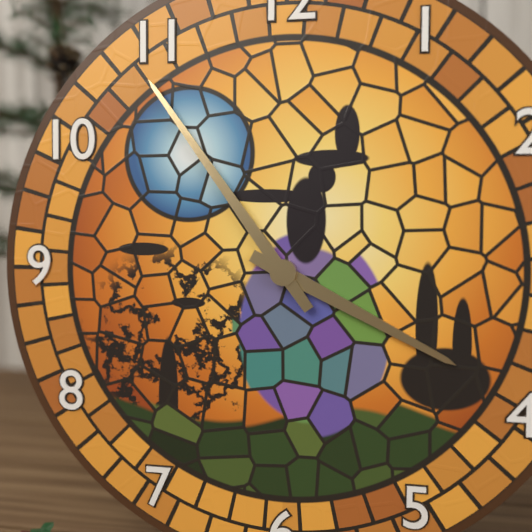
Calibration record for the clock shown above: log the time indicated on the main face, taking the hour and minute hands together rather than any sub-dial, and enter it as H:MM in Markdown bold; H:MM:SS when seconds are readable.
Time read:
**3:54**
